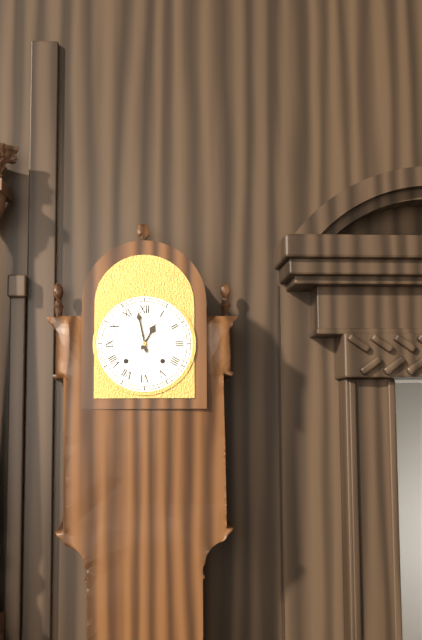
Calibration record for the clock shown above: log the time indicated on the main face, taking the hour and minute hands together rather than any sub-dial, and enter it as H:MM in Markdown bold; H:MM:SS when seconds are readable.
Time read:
**12:58**
